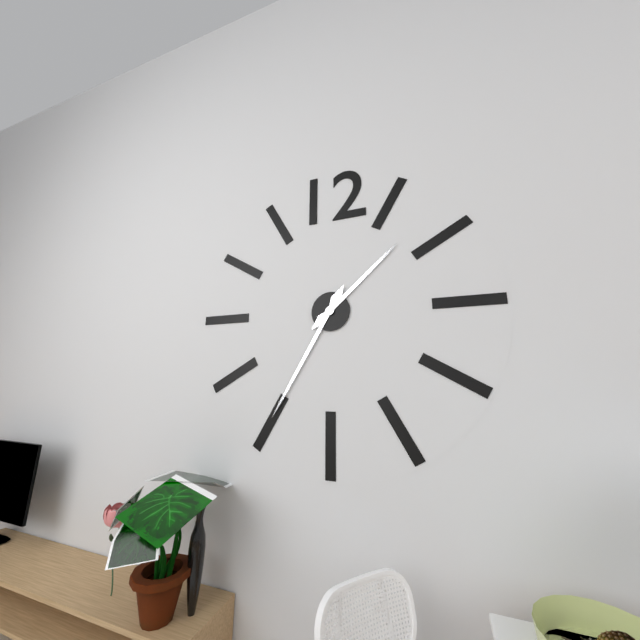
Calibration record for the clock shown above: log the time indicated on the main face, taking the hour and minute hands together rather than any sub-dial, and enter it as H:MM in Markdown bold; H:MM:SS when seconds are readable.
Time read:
**1:35**
